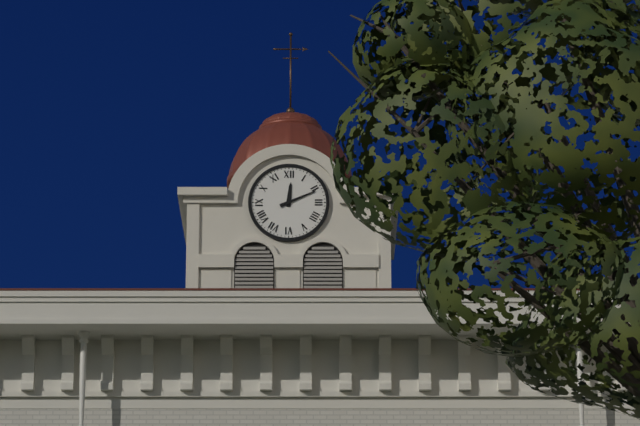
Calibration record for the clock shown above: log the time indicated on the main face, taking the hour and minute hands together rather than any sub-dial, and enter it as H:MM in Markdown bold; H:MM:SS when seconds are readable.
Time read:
**12:11**
